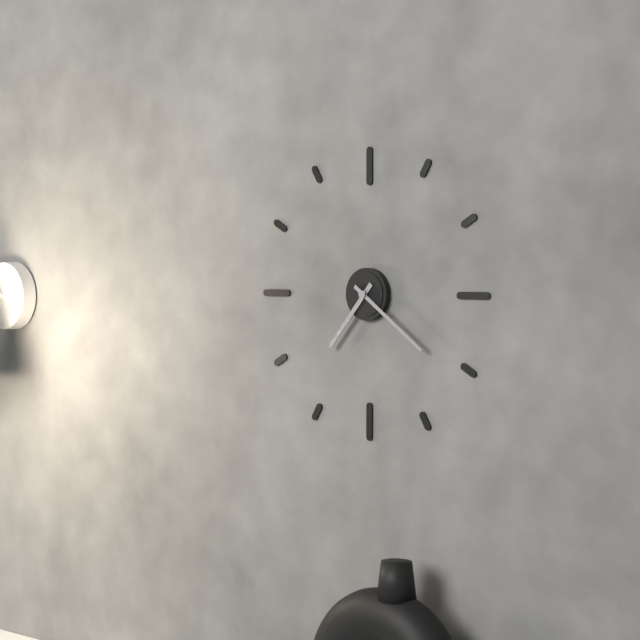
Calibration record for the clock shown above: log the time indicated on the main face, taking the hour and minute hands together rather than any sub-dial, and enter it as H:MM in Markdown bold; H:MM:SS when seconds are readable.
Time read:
**7:21**
